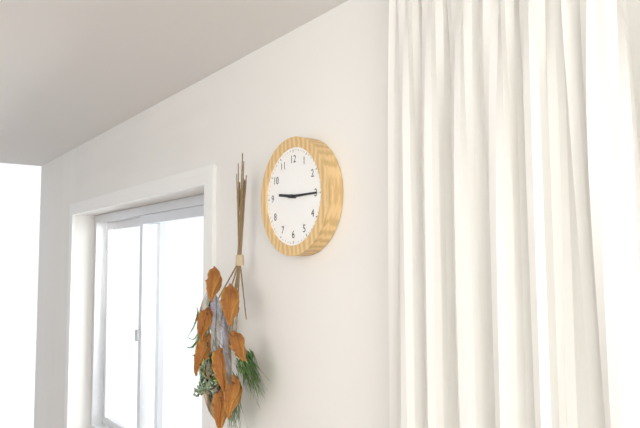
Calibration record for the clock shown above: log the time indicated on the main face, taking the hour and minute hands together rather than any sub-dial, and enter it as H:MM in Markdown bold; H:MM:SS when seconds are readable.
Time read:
**9:15**
